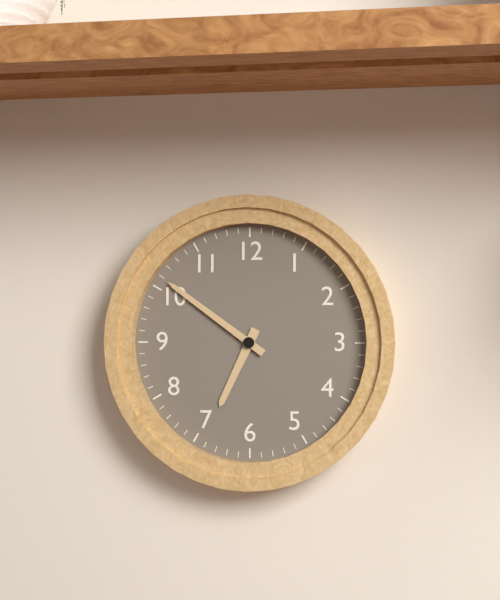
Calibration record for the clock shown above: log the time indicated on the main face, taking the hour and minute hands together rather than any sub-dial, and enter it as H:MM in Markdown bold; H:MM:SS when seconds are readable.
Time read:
**6:51**
